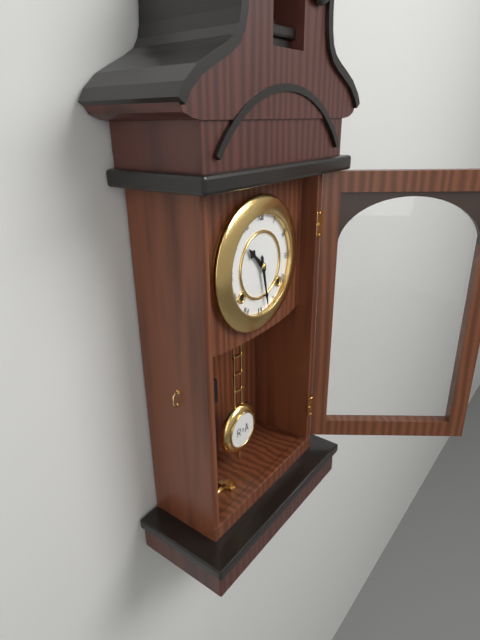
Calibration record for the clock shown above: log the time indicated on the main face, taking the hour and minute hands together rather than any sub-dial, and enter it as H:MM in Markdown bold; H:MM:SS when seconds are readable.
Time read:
**10:28**
